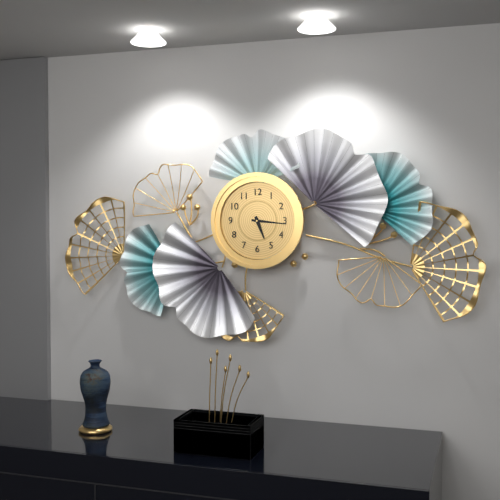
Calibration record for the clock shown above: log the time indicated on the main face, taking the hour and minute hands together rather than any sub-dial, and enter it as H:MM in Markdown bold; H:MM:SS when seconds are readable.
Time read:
**5:16**
